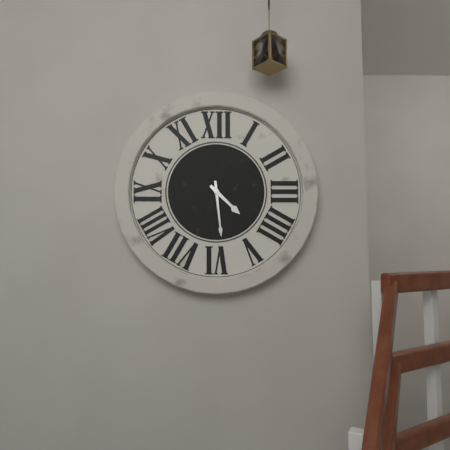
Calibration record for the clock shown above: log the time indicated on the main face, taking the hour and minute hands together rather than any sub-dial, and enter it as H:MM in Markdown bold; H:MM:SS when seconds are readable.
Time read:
**4:29**
